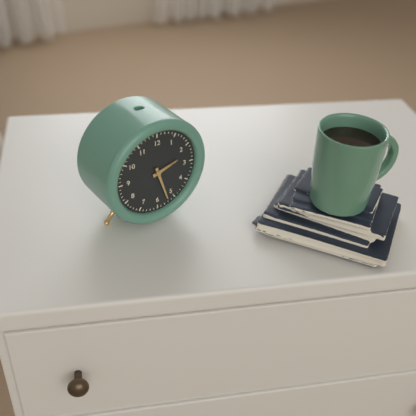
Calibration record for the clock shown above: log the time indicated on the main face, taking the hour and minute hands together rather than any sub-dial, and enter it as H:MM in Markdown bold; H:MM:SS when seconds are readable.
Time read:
**2:27**
